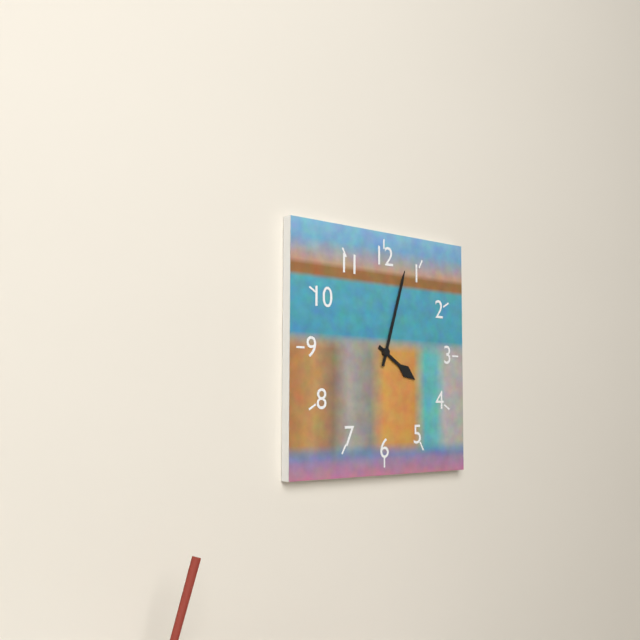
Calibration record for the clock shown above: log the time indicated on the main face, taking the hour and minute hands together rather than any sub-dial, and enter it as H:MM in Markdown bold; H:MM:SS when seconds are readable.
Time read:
**4:03**
